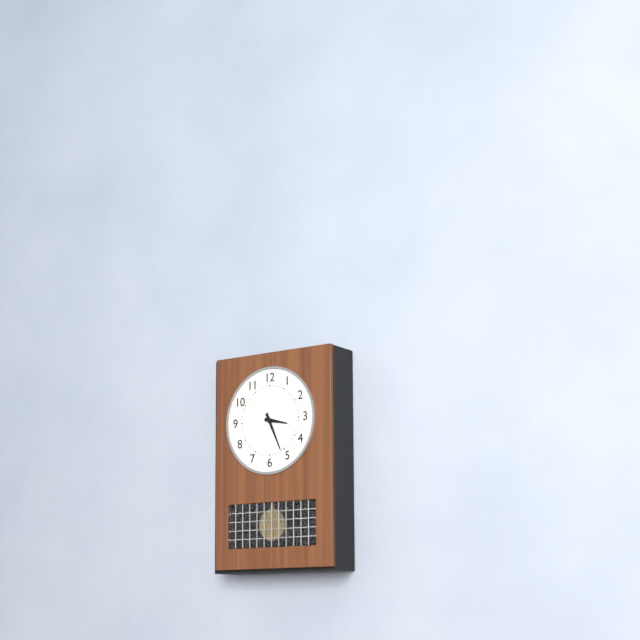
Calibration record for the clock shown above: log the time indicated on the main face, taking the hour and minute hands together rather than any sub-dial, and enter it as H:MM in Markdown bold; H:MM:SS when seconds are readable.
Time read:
**3:26**
